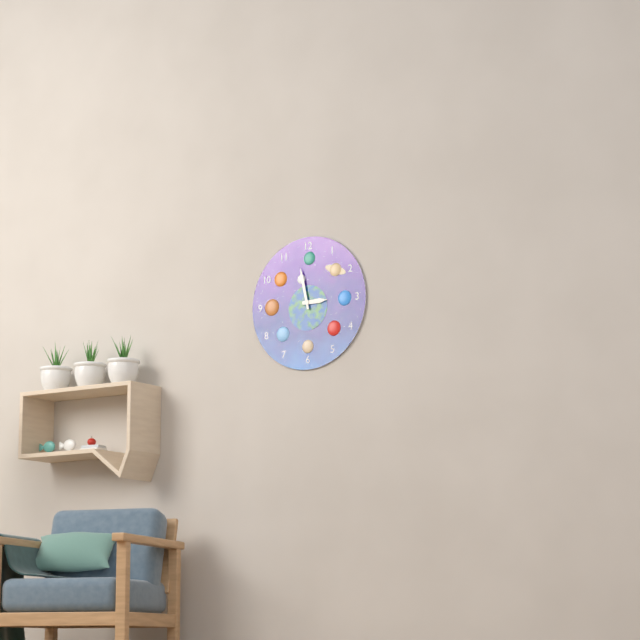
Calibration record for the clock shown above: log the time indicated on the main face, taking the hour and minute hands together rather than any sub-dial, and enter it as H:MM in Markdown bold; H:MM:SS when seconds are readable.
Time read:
**2:58**
